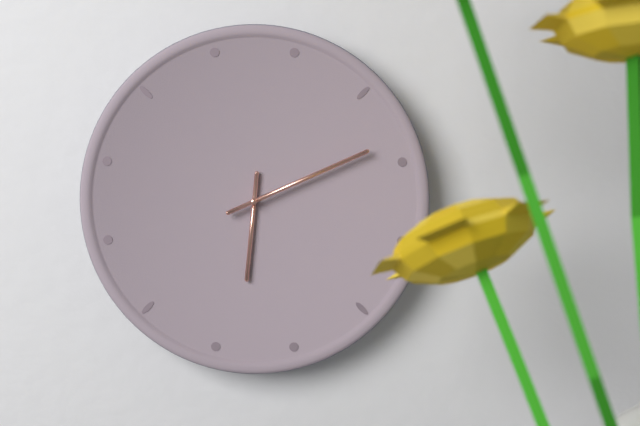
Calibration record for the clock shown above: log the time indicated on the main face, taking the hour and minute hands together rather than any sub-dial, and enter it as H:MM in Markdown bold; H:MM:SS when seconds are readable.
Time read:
**6:11**
